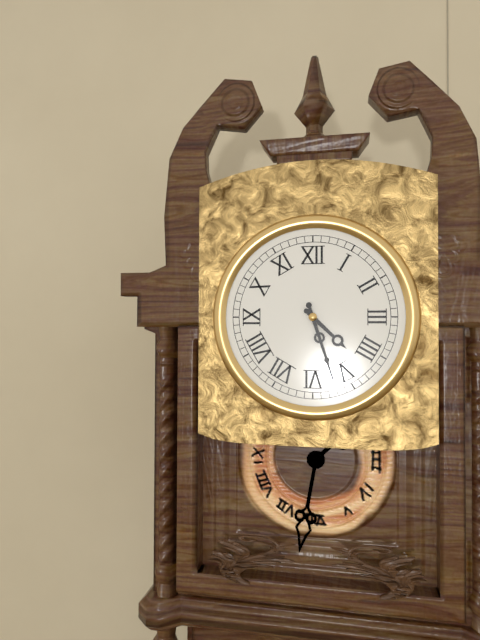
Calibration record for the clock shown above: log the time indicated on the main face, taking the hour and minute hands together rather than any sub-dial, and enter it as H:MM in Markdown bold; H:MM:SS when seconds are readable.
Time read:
**4:27**
